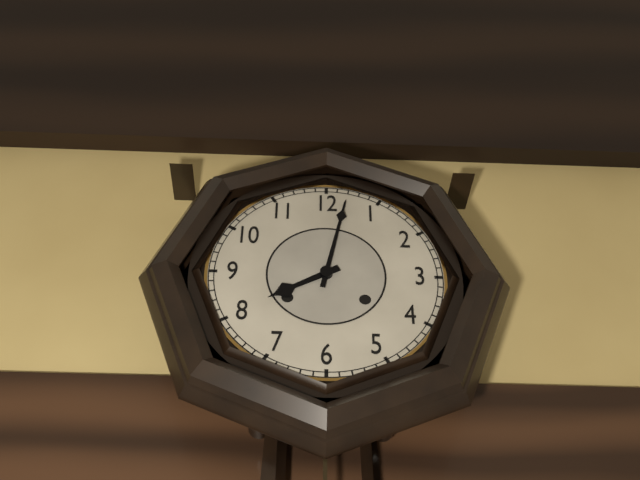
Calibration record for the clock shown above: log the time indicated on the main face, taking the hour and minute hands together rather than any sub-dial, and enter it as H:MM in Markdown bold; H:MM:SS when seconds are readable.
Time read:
**8:02**
